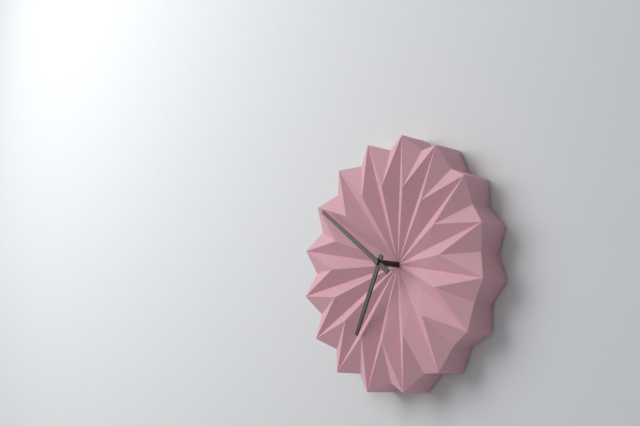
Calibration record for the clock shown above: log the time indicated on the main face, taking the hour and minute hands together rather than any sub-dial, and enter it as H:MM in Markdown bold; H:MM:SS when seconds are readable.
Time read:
**6:51**
